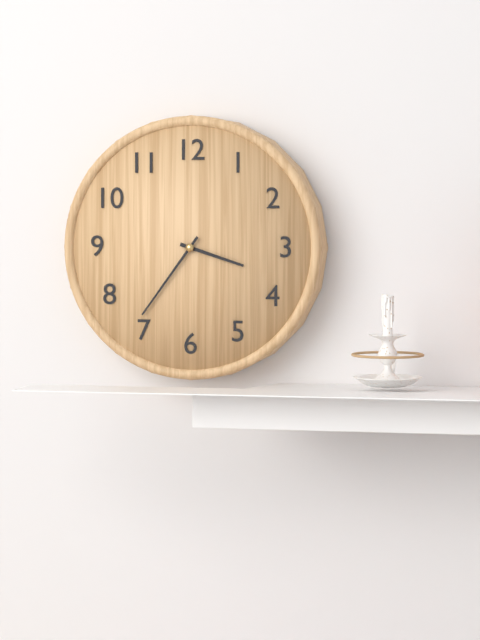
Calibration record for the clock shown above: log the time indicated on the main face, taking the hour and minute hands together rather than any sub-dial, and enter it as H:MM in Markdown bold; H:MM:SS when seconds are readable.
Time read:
**3:36**
